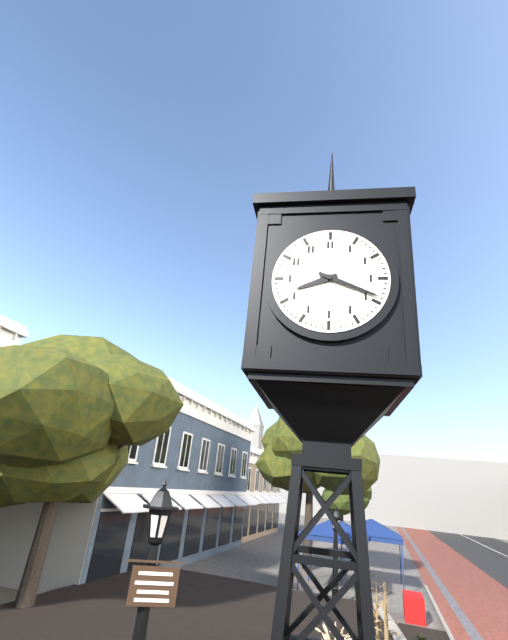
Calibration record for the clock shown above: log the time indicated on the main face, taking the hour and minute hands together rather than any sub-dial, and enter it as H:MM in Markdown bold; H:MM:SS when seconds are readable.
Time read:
**8:19**
